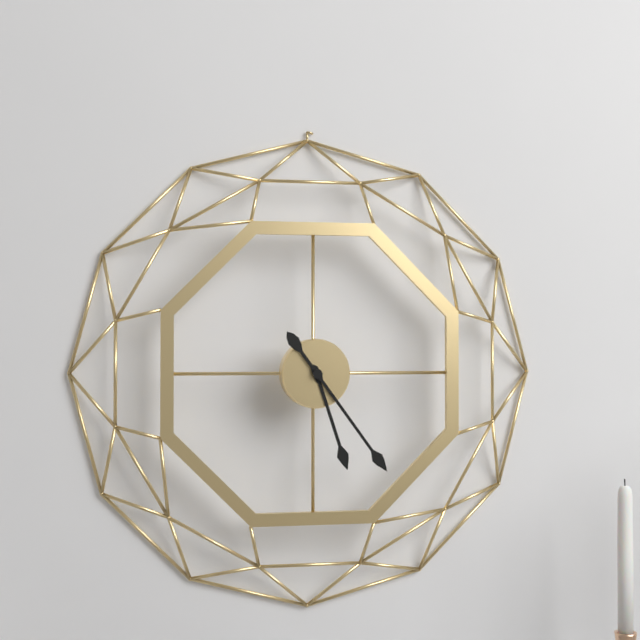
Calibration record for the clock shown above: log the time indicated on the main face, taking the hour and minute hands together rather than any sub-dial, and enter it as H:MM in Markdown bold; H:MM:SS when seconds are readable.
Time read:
**5:24**
